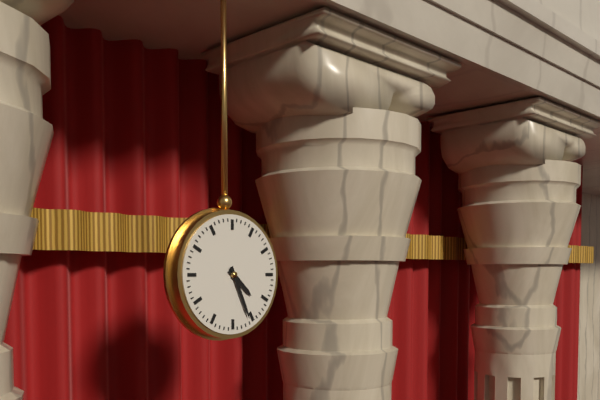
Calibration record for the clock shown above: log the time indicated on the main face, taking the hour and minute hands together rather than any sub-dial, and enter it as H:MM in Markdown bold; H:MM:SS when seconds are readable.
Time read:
**4:26**
